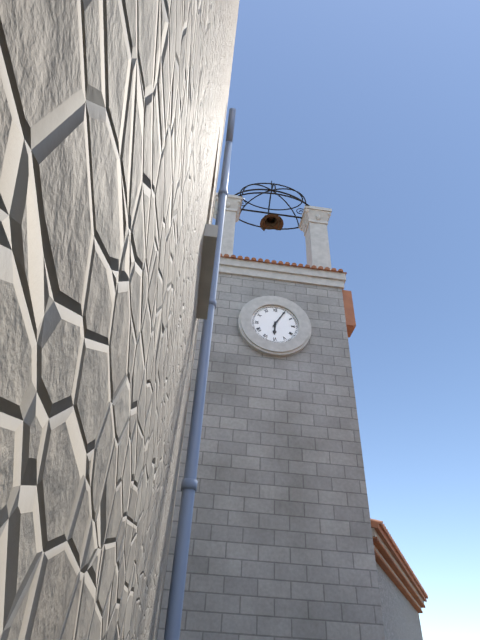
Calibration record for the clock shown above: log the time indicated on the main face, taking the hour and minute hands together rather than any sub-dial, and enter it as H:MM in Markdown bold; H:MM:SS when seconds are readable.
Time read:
**6:05**
